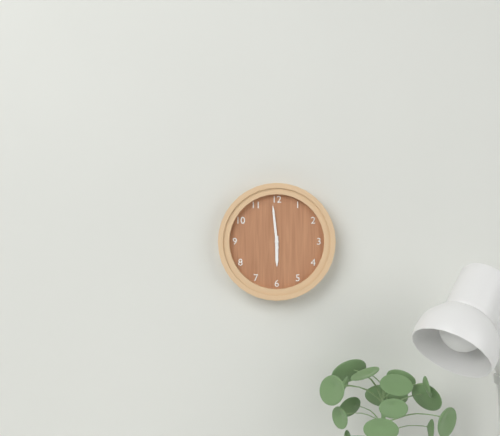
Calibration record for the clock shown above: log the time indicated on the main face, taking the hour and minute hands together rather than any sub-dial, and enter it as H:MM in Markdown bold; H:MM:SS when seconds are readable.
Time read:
**5:59**
